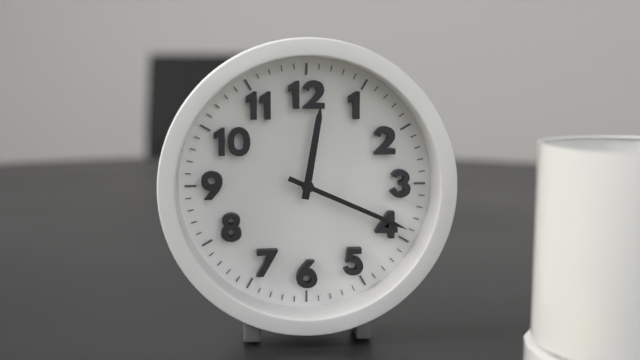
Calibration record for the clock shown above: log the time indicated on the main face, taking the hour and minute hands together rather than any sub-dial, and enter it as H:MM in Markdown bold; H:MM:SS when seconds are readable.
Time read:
**12:19**
